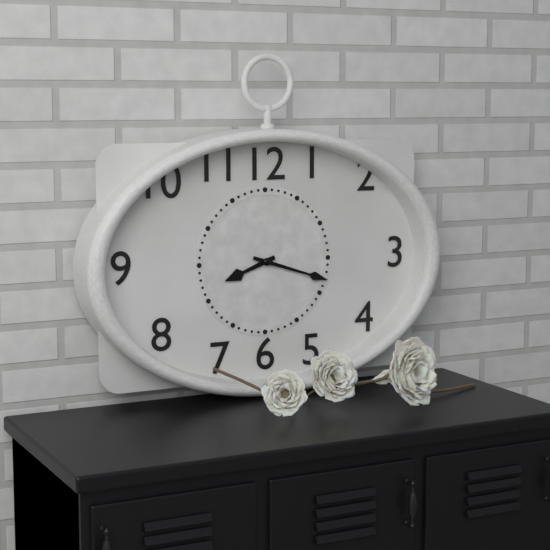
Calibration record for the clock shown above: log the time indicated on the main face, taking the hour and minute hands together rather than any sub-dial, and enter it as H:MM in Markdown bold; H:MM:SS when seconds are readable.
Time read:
**8:18**
